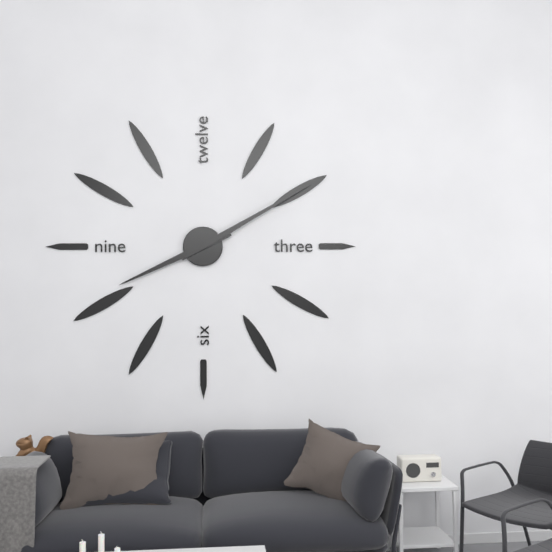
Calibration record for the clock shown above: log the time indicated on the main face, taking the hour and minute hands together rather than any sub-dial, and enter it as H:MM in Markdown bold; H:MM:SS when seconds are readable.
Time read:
**8:10**
